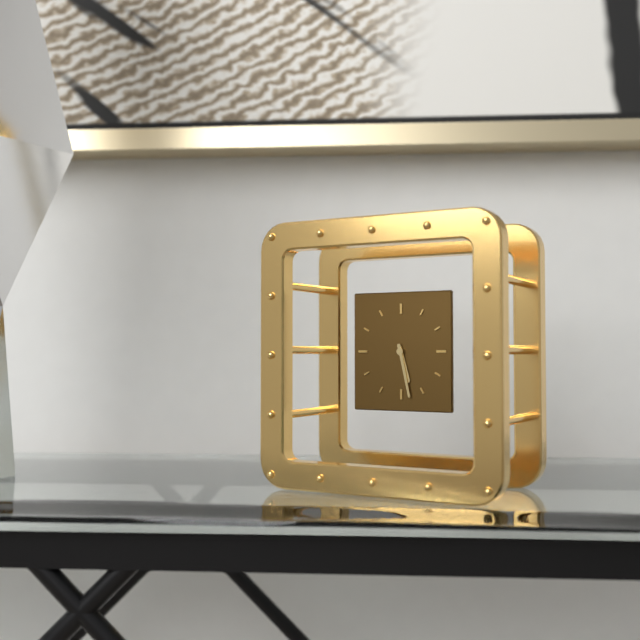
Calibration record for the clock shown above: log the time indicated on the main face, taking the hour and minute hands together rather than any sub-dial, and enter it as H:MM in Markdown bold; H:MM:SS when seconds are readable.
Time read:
**5:28**
